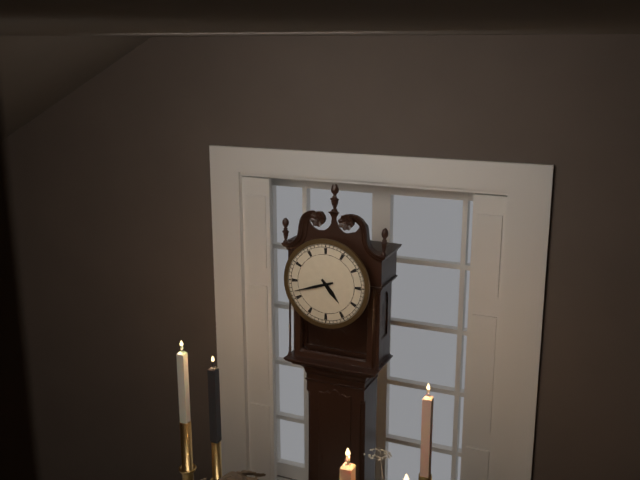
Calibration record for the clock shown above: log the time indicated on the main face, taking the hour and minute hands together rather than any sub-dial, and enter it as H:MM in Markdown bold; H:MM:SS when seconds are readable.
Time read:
**4:42**
